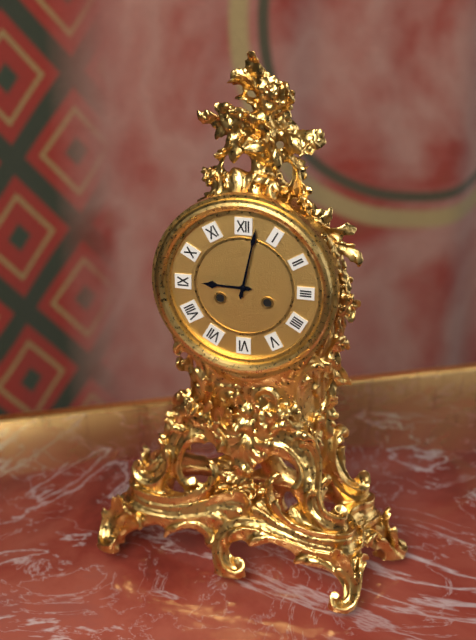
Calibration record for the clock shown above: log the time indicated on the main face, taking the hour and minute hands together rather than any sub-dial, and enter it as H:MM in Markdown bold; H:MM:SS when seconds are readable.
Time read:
**9:02**
